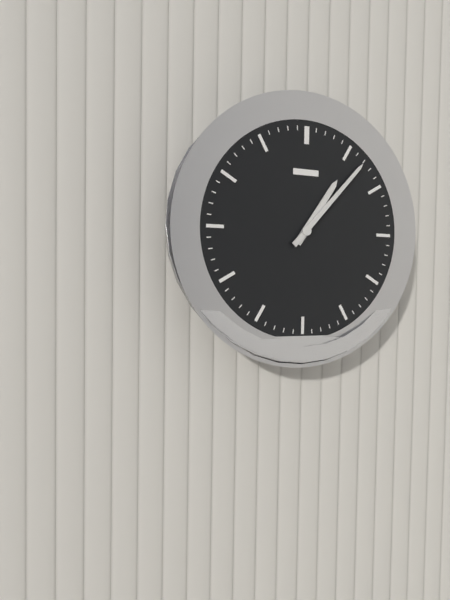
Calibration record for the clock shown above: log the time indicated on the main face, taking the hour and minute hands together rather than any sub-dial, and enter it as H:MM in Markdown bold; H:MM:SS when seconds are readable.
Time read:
**1:07**
